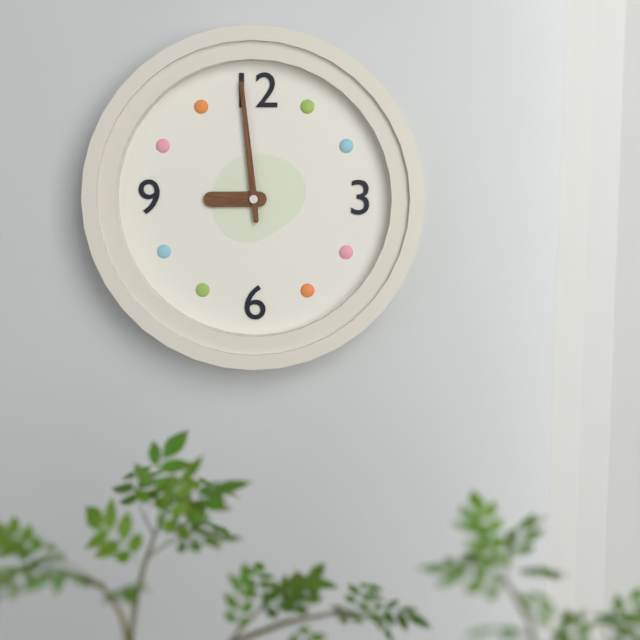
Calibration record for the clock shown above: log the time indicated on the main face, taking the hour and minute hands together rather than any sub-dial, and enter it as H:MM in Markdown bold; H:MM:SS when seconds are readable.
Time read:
**8:59**
